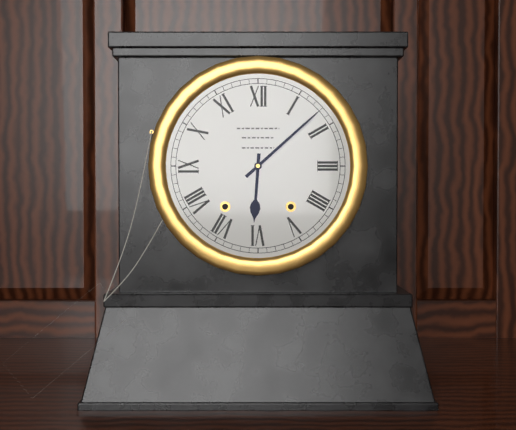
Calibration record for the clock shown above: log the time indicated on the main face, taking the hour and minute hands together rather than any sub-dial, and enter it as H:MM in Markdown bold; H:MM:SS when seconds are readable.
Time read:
**6:08**
